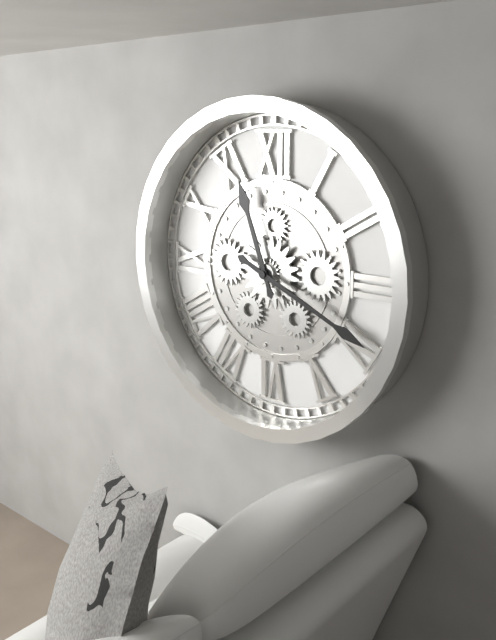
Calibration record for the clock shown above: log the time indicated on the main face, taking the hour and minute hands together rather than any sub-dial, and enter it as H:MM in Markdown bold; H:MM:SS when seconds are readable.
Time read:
**11:19**
